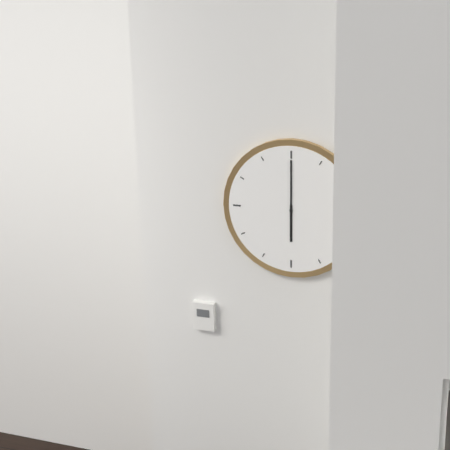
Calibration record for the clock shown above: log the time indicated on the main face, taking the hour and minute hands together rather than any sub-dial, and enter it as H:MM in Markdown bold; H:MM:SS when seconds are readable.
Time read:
**6:00**
